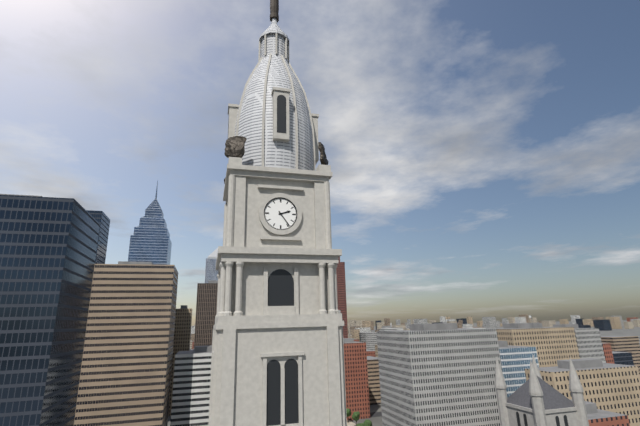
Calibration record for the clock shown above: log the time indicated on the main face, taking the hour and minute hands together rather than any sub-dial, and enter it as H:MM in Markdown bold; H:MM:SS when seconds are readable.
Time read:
**2:24**
